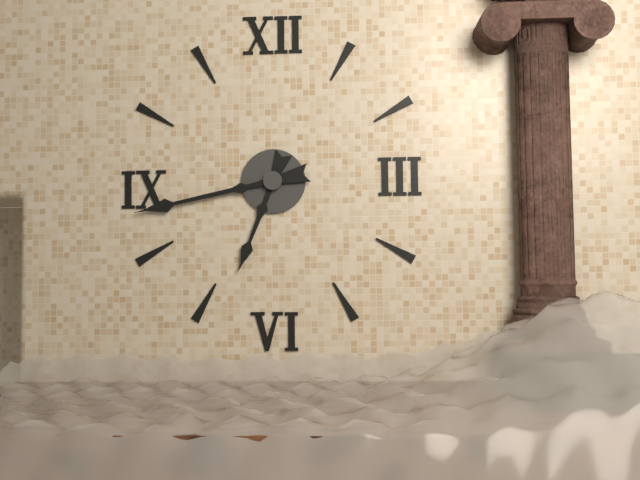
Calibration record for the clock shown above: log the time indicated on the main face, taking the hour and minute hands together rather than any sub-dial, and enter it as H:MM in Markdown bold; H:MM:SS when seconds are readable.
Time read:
**6:43**
